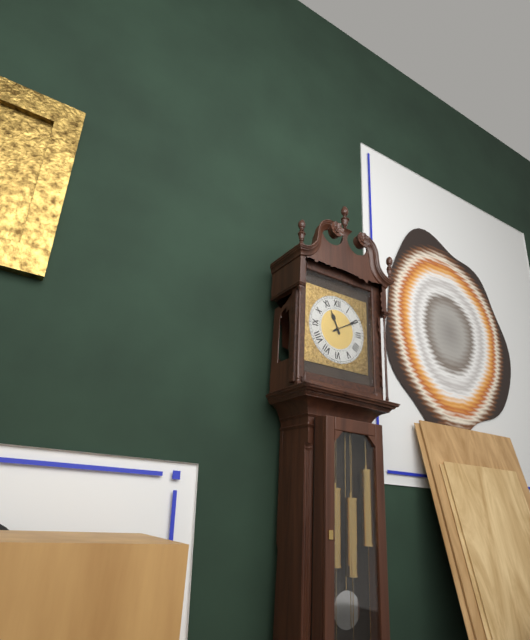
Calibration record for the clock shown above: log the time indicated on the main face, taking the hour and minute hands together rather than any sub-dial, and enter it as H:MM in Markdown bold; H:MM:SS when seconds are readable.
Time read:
**11:10**
